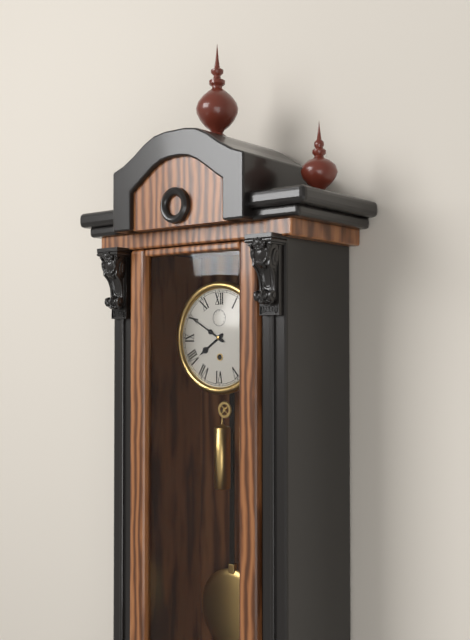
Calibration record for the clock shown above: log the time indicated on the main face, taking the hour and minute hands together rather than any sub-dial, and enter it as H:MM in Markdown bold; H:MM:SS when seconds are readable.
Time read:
**7:50**
